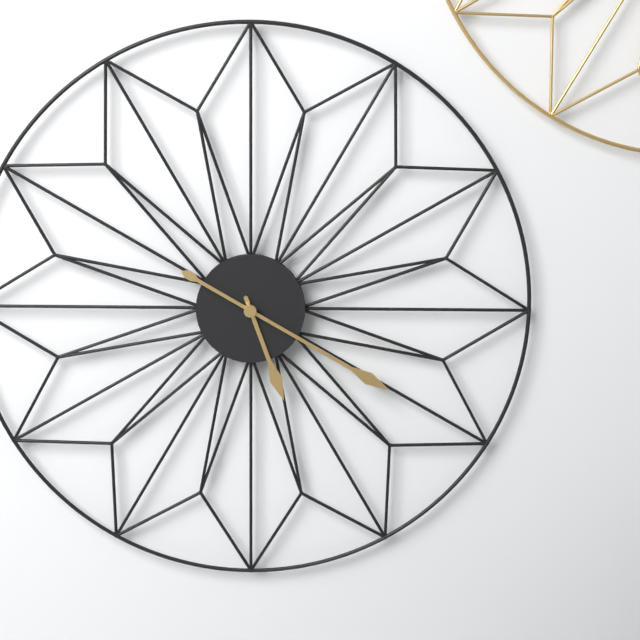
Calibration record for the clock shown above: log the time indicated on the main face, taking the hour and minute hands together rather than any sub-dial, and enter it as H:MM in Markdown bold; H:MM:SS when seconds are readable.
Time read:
**5:20**
